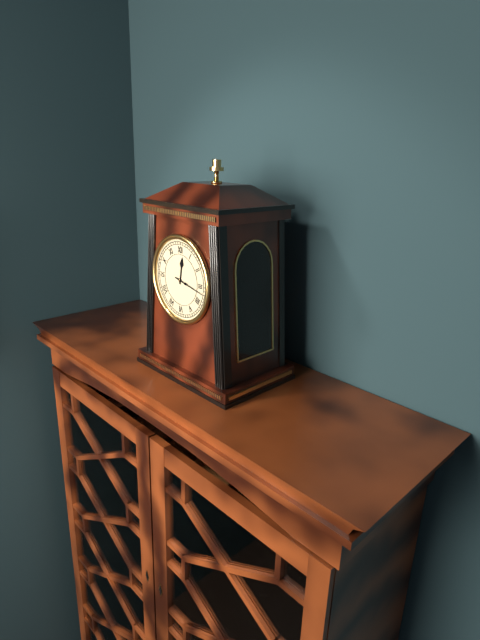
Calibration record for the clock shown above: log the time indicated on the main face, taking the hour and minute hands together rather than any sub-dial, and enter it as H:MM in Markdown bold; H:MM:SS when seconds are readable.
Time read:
**12:17**
